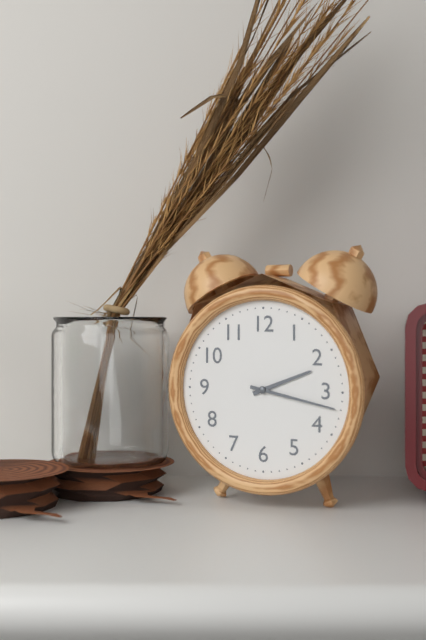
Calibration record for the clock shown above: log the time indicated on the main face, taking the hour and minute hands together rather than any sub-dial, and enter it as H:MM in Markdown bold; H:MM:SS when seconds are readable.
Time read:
**2:17**
